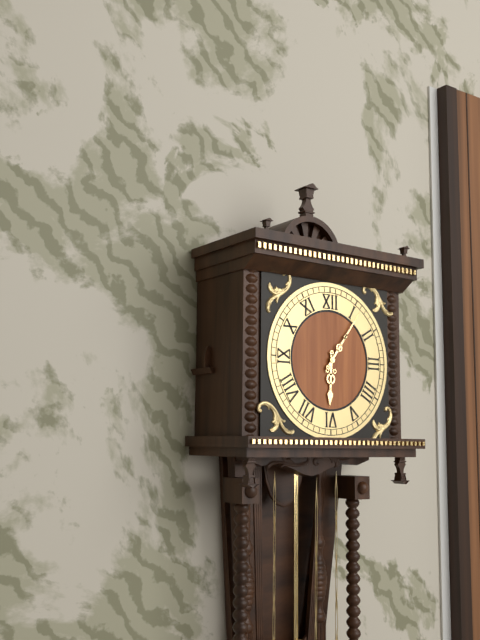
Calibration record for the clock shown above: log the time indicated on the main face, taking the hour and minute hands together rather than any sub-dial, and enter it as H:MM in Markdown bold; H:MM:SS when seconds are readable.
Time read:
**6:06**
